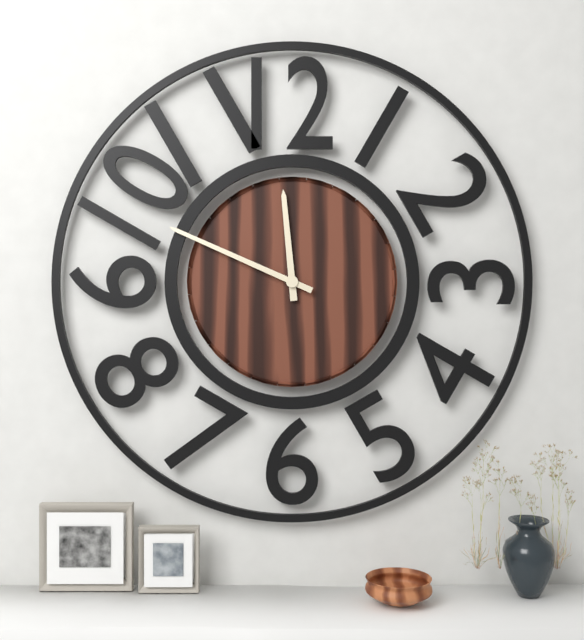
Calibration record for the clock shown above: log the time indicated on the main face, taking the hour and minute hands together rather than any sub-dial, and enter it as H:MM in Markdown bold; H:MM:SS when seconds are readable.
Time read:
**11:49**
